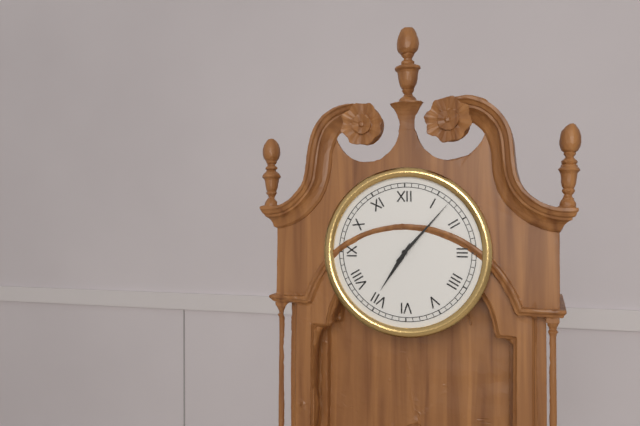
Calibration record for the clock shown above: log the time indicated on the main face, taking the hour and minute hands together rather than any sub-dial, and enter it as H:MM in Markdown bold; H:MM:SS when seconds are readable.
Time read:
**7:07**
